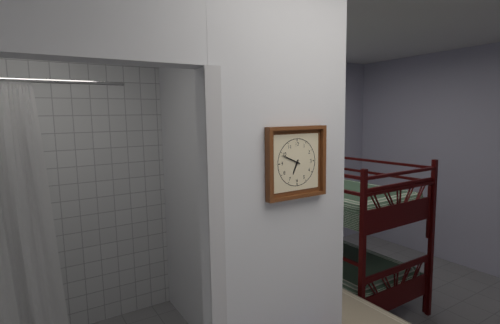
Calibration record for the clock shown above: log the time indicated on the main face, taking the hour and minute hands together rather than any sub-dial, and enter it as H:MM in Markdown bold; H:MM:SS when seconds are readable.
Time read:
**6:49**
